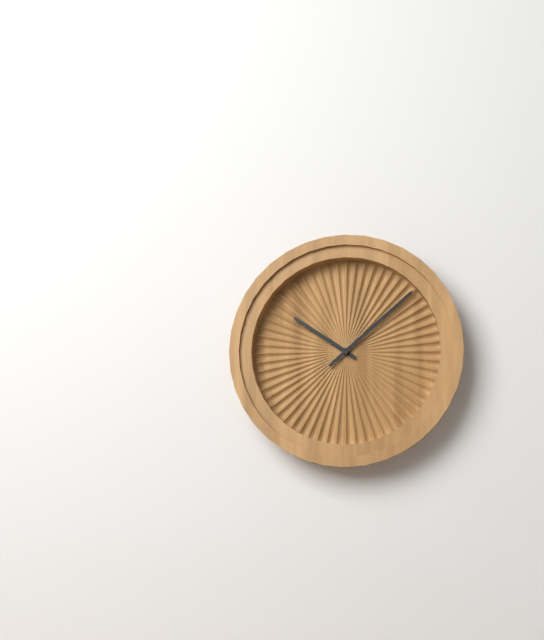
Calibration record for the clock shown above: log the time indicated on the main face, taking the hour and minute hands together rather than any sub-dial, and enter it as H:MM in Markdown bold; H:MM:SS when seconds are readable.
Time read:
**10:08**
